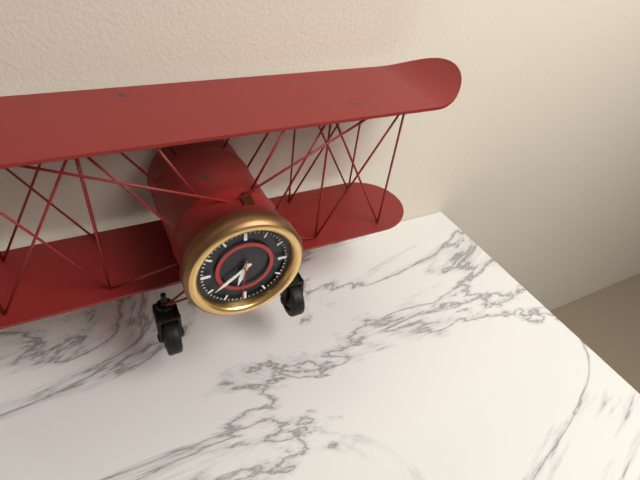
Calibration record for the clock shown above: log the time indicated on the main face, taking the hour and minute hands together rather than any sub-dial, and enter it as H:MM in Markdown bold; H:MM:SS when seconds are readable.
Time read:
**6:39**
